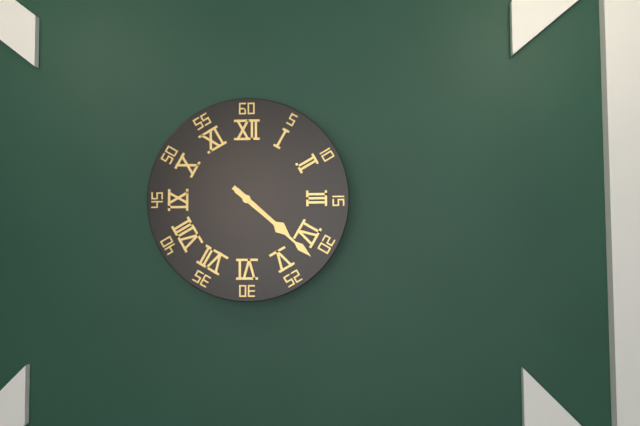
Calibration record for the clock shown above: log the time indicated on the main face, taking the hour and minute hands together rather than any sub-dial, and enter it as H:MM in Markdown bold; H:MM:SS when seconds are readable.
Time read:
**4:22**
